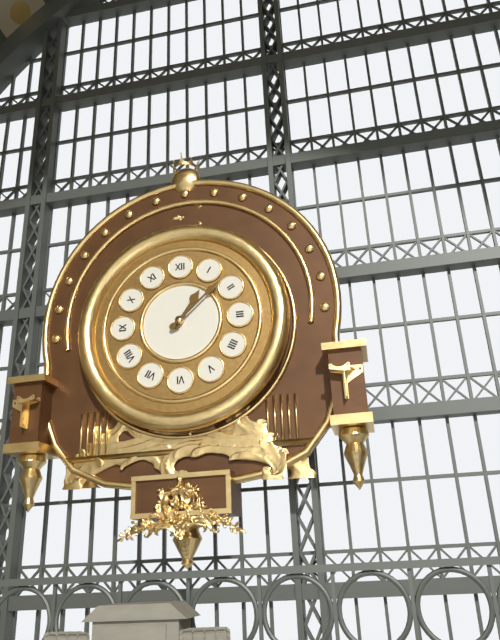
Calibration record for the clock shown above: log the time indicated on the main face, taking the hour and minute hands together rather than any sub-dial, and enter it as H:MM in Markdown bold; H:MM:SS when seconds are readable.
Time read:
**1:08**
